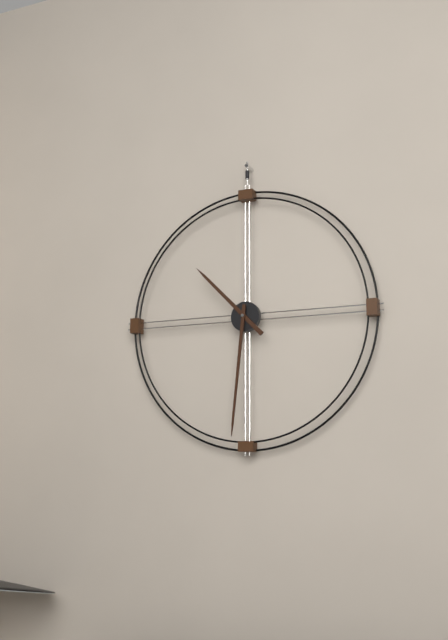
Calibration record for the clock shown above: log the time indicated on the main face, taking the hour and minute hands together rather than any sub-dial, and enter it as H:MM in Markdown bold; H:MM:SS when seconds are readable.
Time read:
**10:31**
